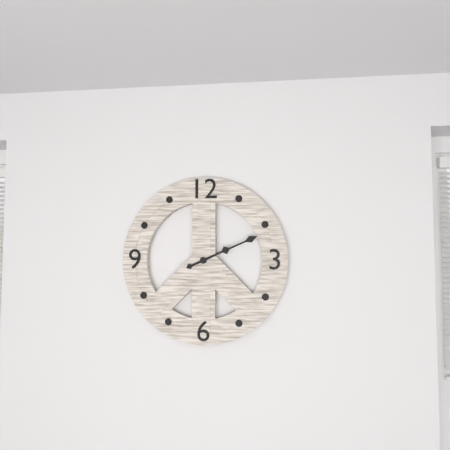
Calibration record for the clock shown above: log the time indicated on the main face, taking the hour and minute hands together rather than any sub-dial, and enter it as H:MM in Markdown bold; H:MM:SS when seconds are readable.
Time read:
**2:11**
